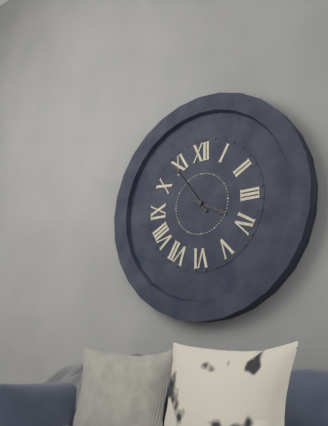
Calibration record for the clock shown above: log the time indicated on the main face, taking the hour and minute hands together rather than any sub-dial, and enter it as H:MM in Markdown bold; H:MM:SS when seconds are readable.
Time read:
**3:54**
